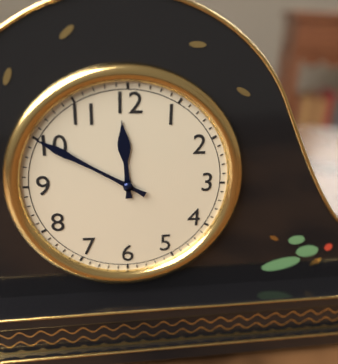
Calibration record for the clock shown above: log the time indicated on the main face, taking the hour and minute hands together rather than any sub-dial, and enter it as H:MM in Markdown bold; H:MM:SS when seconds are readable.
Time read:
**11:50**
